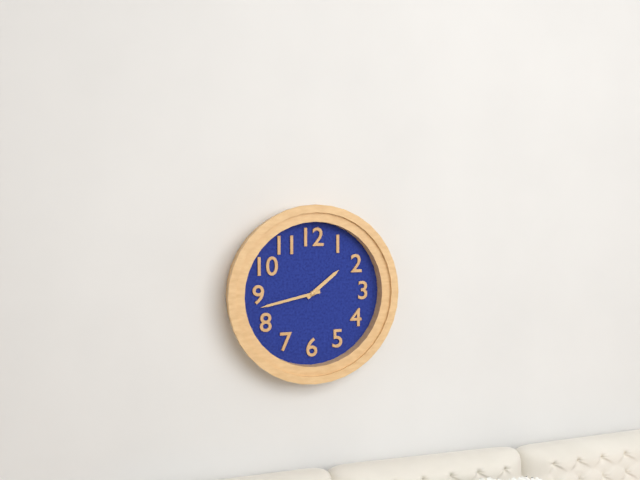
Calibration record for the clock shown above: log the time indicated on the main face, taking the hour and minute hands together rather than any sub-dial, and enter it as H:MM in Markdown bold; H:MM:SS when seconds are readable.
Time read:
**1:43**
